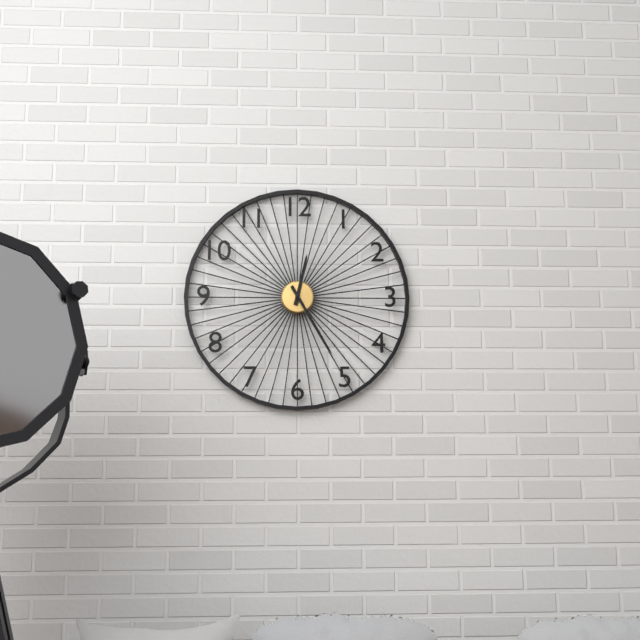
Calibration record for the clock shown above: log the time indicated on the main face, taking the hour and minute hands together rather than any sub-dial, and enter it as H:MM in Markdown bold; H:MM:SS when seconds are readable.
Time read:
**12:25**
